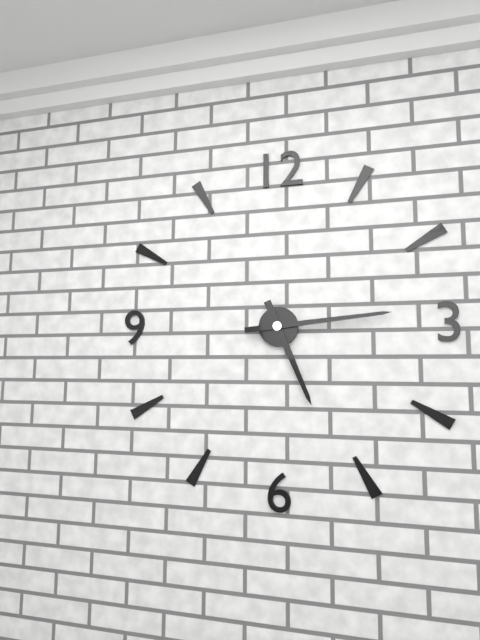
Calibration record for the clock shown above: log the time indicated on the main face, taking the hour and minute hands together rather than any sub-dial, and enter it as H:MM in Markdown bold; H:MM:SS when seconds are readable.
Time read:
**5:14**
